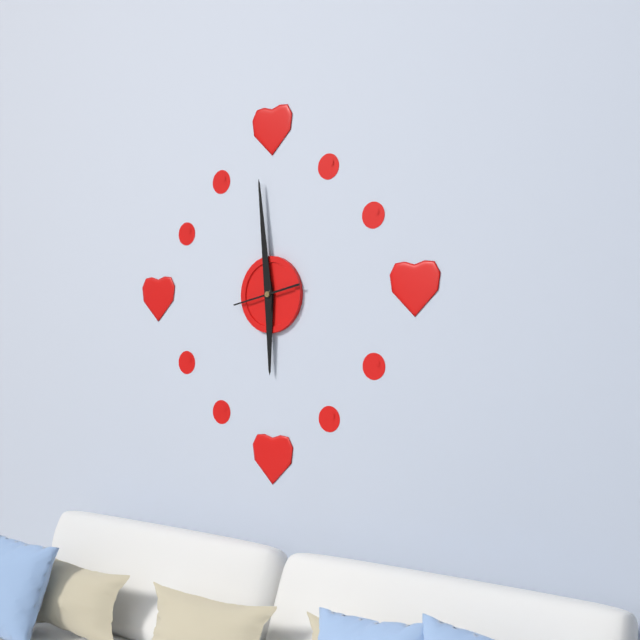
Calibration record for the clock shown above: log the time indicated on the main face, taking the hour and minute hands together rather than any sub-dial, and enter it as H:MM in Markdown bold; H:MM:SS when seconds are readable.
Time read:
**5:59**
